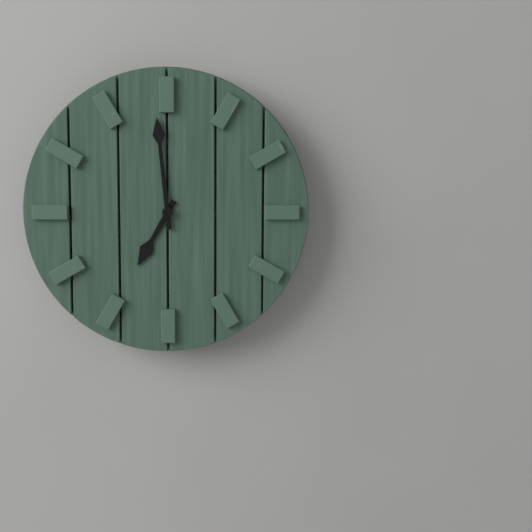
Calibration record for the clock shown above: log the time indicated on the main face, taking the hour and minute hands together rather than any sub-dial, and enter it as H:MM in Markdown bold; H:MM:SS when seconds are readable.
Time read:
**6:59**
